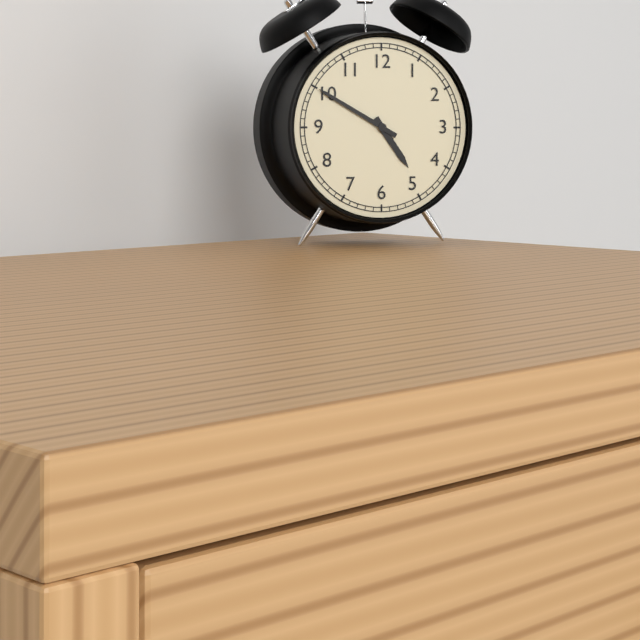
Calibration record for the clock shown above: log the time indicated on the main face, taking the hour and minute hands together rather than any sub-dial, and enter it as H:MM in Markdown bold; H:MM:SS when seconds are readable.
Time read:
**4:50**
